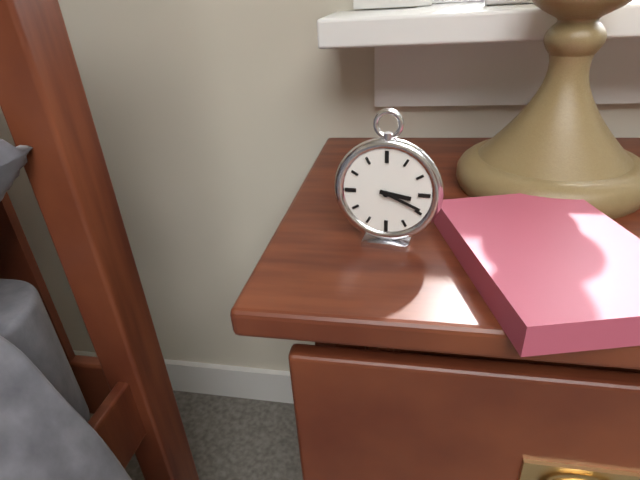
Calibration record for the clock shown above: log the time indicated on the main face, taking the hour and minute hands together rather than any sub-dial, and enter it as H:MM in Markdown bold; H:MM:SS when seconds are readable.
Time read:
**3:19**
